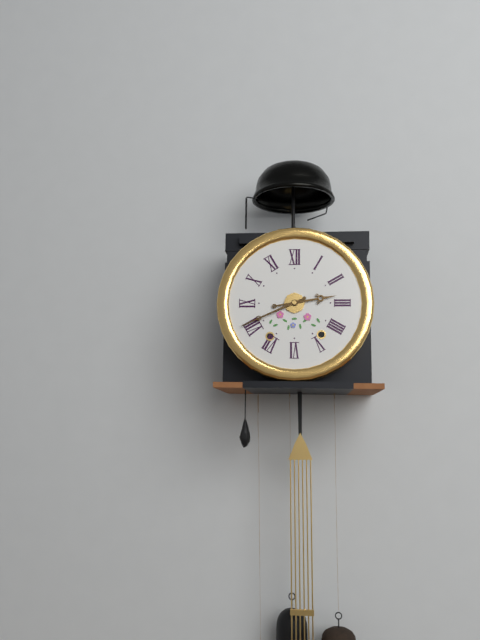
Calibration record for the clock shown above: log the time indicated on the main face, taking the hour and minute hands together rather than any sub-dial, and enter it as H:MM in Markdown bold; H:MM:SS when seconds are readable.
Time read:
**2:41**
